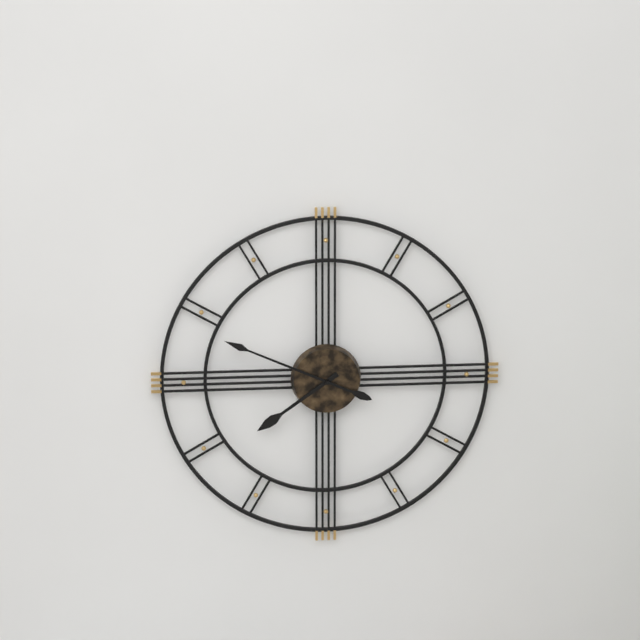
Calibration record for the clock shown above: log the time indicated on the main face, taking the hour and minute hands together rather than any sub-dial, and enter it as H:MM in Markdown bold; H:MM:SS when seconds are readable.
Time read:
**7:49**
